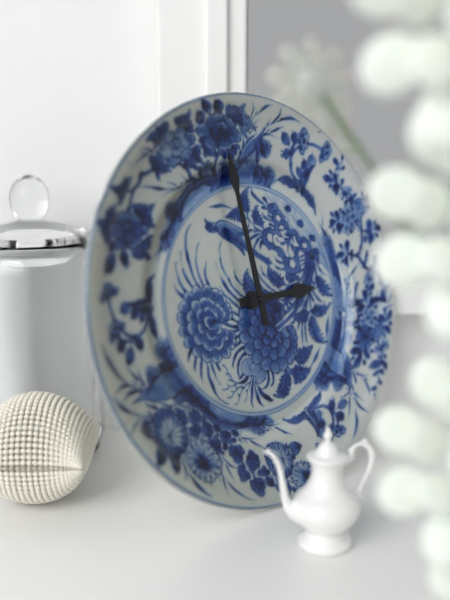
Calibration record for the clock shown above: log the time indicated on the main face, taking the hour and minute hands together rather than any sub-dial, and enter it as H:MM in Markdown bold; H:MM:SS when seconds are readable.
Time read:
**2:59**
